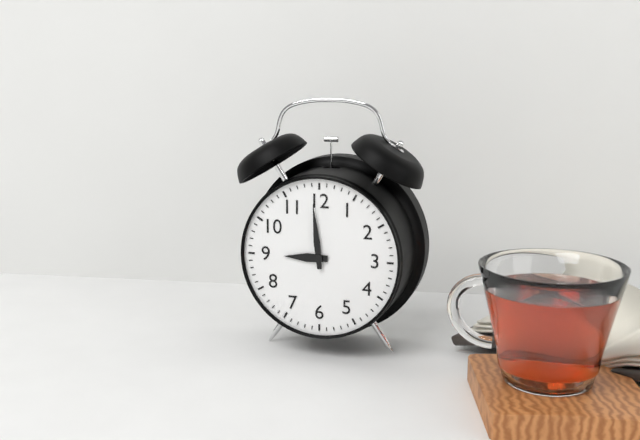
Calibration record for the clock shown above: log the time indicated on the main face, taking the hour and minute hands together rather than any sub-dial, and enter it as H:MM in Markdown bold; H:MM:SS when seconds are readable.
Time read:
**8:59**
